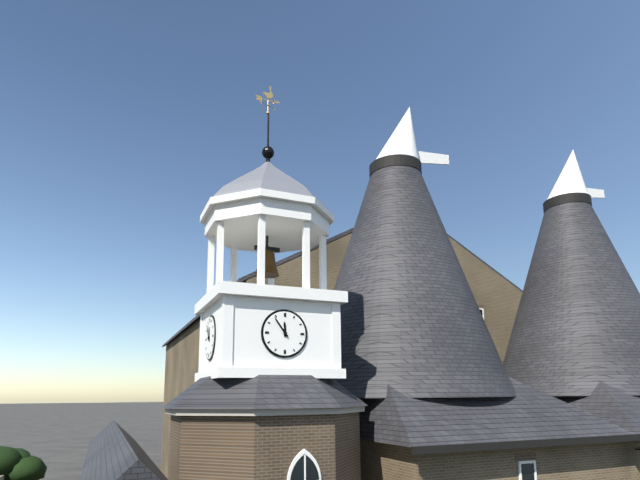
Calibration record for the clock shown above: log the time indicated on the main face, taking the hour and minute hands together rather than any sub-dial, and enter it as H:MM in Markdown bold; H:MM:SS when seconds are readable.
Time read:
**11:54**
